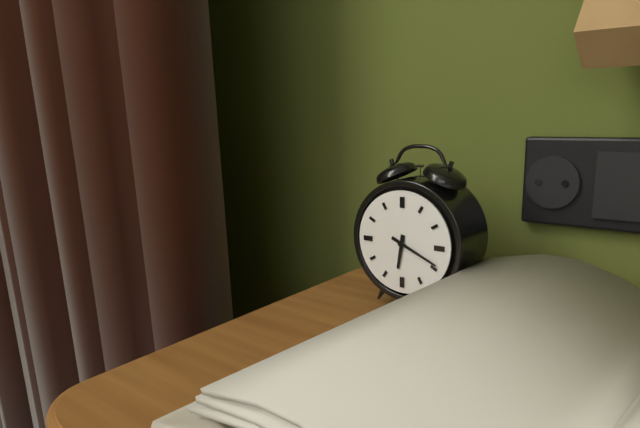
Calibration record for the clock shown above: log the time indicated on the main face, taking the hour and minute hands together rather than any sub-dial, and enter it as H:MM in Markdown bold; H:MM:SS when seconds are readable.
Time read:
**6:19**
